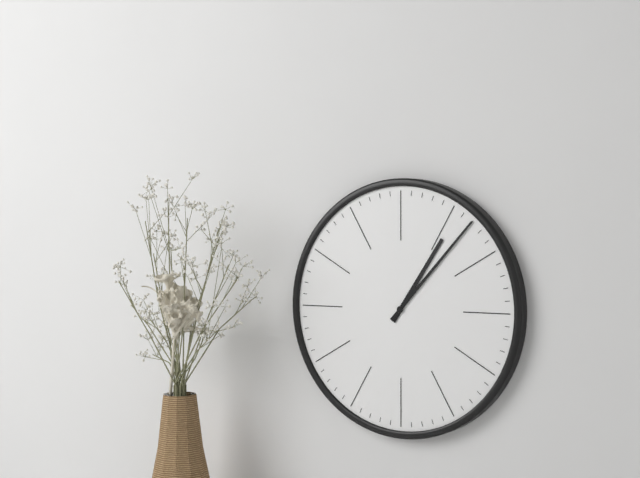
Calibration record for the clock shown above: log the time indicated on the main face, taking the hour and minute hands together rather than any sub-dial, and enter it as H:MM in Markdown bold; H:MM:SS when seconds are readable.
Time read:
**1:07**
